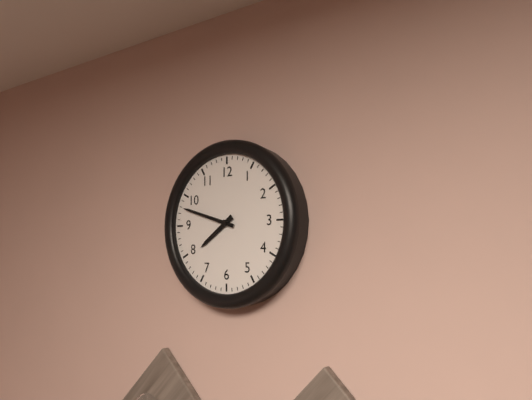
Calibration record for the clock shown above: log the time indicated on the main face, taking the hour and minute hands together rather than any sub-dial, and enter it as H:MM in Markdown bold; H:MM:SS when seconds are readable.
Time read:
**7:48**
